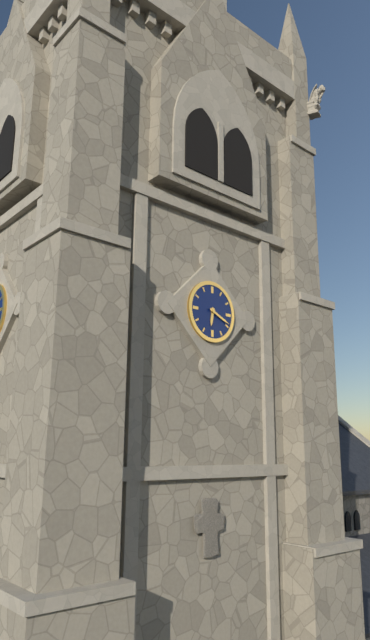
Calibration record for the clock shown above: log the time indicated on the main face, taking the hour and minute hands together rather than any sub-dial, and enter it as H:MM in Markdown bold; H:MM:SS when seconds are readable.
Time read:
**6:19**
